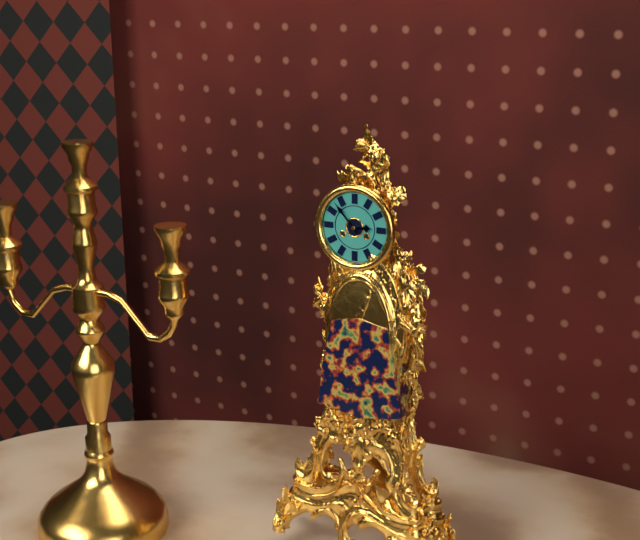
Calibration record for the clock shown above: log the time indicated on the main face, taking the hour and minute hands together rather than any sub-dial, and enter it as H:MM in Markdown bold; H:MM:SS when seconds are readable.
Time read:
**2:53**
